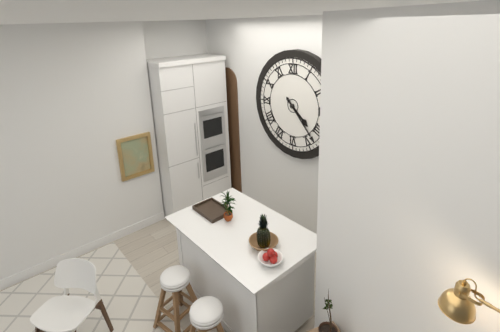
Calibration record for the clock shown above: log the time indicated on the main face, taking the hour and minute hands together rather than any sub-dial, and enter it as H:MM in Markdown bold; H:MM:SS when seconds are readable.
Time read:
**4:23**
